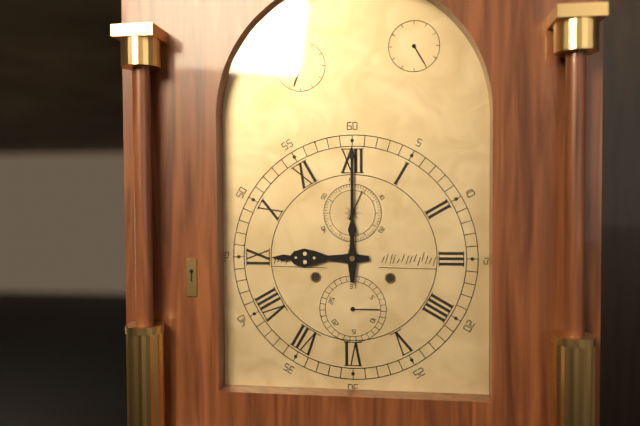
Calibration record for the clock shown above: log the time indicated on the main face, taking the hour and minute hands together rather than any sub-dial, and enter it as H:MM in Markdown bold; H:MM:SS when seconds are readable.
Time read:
**9:00**
